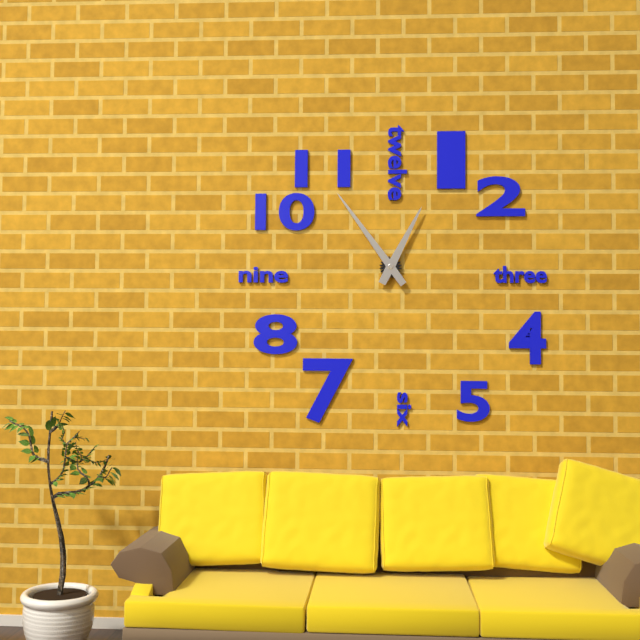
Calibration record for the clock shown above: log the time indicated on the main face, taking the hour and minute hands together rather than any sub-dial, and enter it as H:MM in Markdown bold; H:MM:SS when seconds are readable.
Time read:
**12:54**
